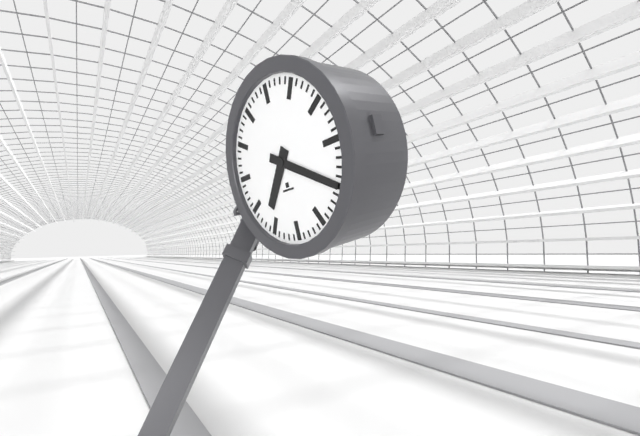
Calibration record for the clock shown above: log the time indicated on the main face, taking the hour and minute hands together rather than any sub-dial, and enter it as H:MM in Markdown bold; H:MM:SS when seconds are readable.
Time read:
**7:20**
